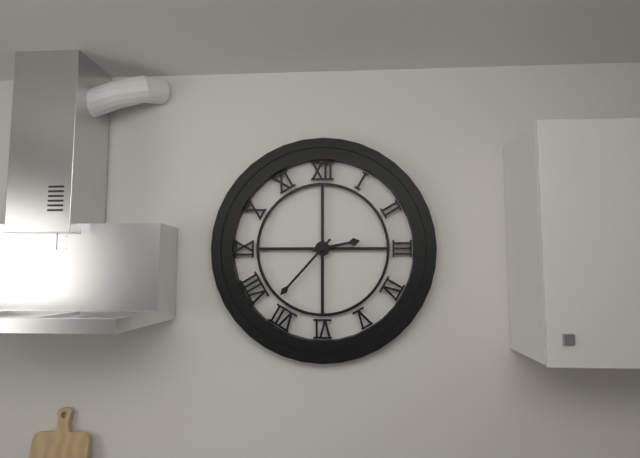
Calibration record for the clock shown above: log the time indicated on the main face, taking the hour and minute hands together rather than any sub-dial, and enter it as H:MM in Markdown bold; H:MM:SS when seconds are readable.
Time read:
**2:37**
